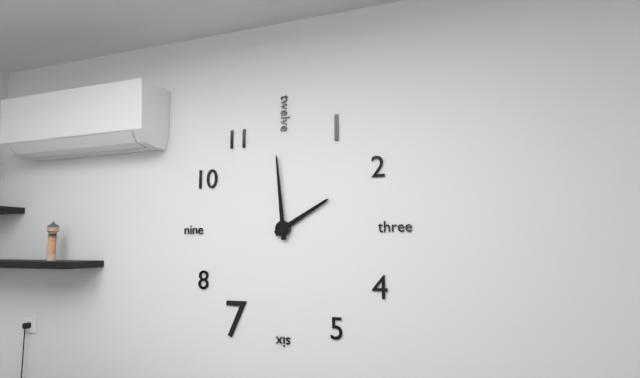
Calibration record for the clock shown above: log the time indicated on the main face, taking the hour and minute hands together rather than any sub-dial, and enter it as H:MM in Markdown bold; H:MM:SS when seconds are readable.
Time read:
**1:59**
